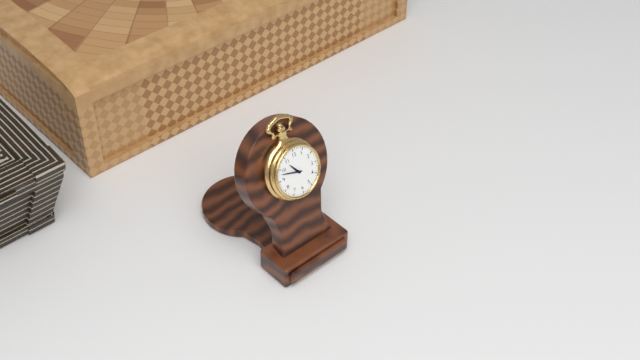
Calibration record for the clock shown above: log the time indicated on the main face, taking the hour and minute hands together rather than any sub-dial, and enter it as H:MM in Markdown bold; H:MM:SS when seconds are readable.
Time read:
**10:48**
